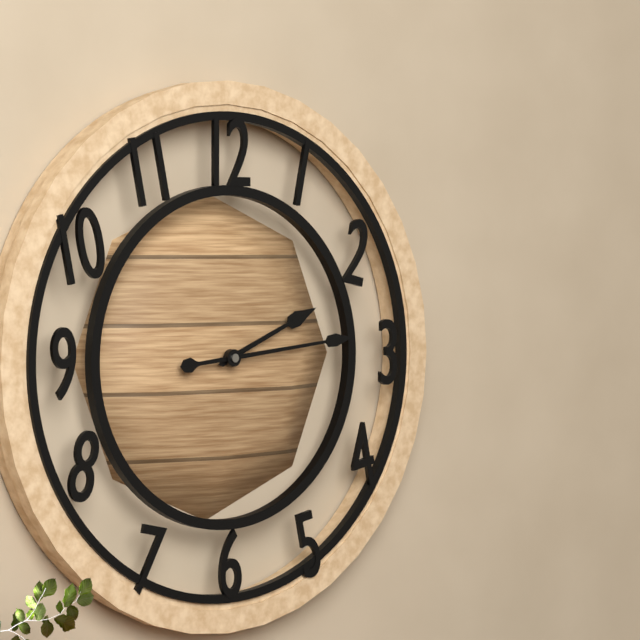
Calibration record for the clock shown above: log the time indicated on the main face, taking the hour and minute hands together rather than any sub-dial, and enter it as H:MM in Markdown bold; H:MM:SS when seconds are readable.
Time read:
**2:14**
